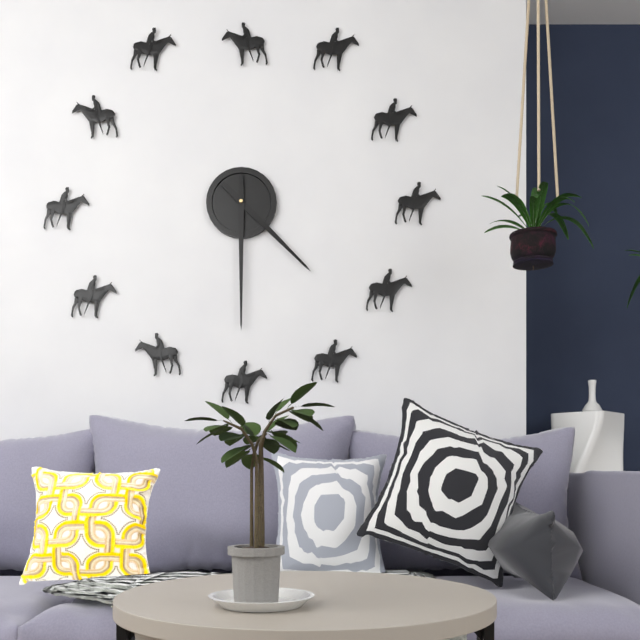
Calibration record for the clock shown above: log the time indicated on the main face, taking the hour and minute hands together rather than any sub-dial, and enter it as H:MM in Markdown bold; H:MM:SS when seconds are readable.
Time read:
**4:30**
